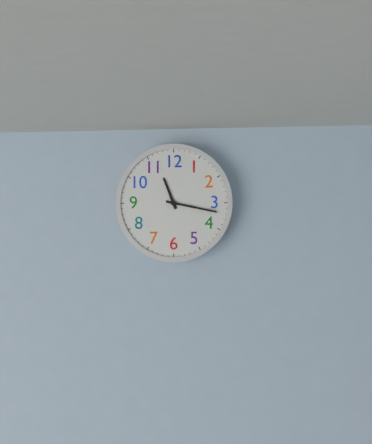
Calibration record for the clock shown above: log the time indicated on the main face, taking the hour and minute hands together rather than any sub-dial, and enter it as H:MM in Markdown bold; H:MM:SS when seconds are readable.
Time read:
**11:17**
